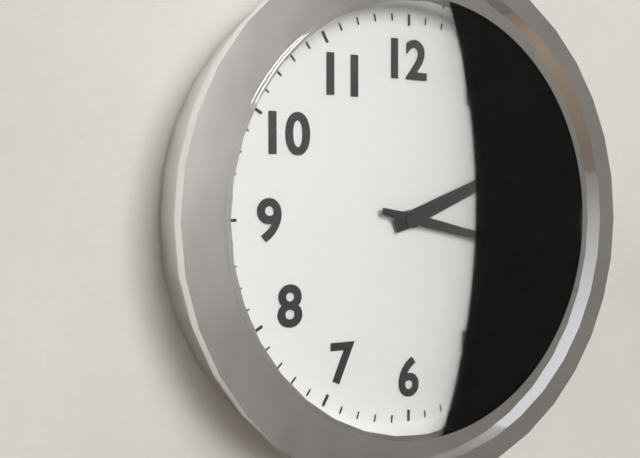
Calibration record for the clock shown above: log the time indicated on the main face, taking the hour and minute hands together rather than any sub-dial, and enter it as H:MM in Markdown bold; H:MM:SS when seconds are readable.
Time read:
**2:17**
